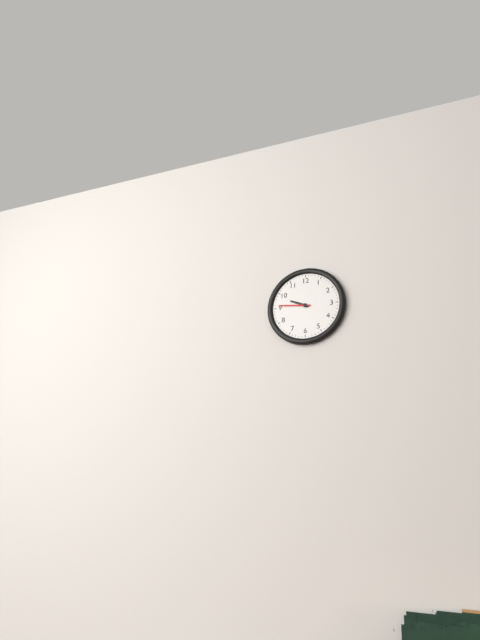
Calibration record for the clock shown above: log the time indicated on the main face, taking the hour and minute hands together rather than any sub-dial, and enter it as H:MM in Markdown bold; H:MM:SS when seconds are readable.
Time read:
**9:46**
